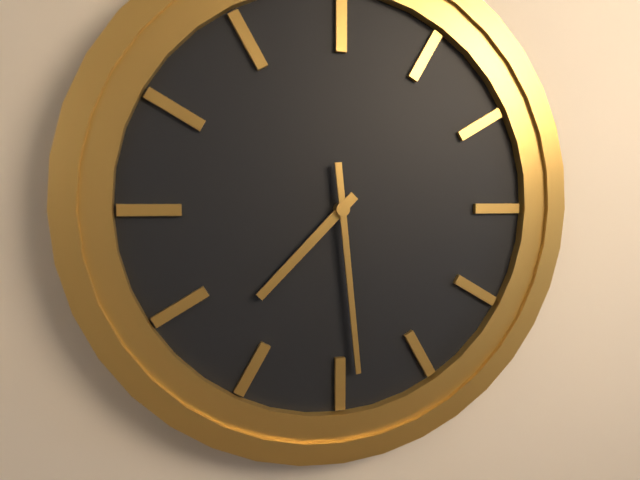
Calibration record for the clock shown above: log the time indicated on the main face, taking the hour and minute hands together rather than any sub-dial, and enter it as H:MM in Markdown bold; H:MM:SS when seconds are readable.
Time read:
**7:29**
